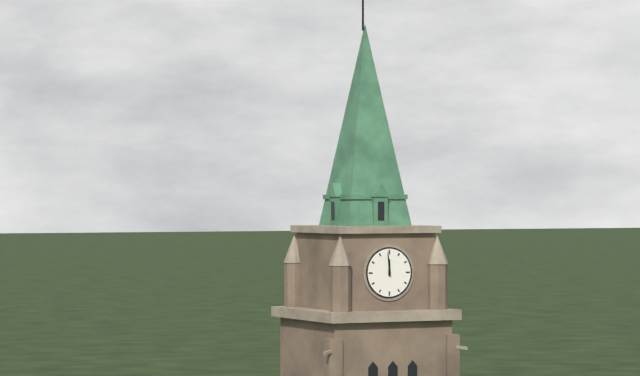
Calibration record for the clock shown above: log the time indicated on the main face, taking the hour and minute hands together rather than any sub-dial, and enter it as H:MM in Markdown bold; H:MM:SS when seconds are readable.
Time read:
**11:59**
